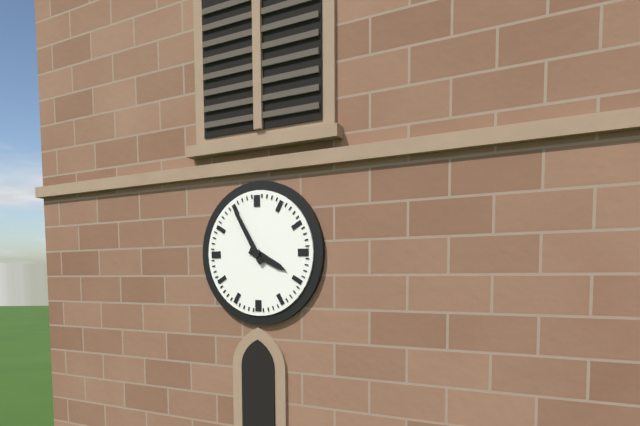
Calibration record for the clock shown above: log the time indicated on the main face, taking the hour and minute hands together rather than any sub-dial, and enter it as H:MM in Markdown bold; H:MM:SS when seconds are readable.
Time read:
**3:55**
